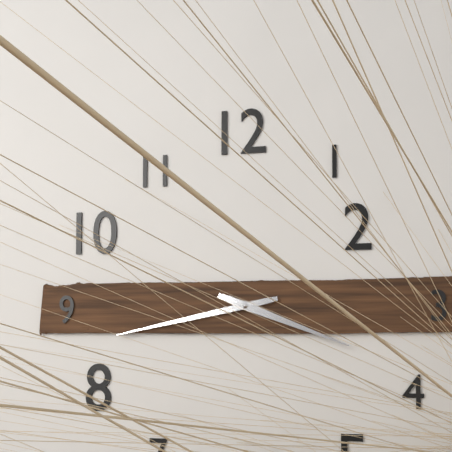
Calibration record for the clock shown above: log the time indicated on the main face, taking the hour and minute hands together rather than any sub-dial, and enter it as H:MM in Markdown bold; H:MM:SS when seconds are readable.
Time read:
**3:43**
